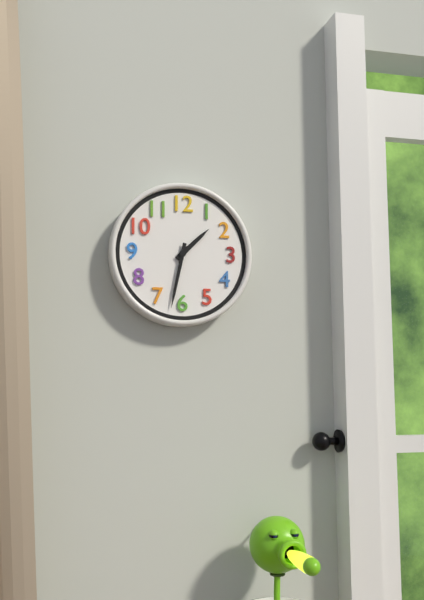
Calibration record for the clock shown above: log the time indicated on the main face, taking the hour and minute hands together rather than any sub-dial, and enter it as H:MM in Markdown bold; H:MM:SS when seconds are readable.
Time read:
**1:32**
